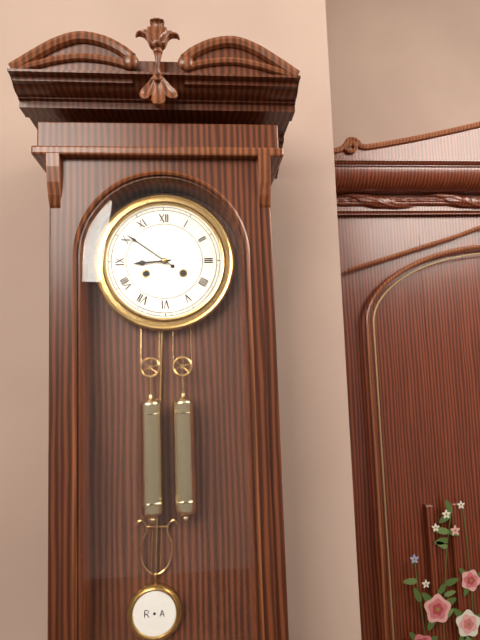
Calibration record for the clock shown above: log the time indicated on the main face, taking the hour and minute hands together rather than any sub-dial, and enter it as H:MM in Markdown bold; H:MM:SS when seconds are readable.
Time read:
**8:51**
